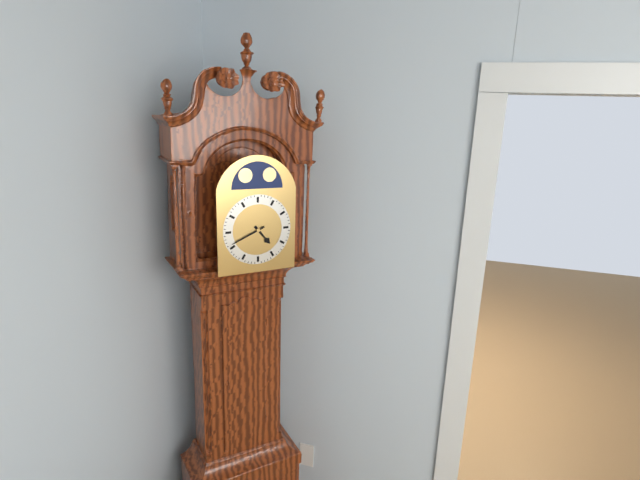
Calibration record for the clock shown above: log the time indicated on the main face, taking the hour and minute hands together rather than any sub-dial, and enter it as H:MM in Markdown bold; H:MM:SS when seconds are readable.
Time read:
**4:41**
